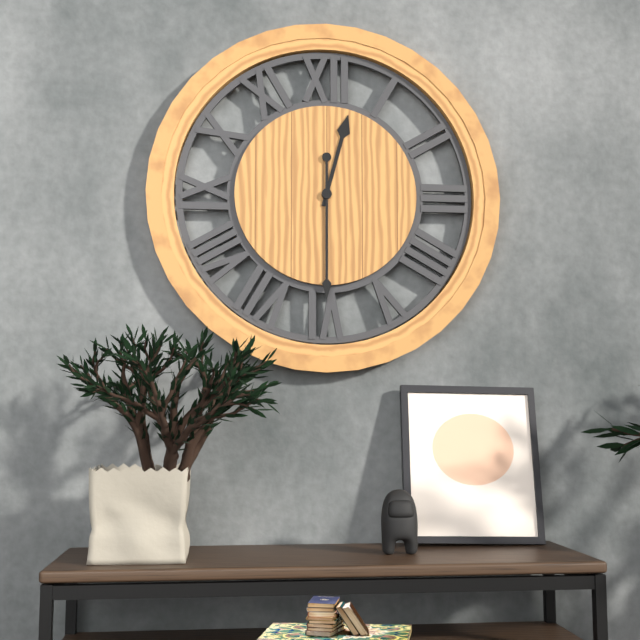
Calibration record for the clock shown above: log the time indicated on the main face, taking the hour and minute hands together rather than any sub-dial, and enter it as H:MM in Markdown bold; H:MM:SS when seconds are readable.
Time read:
**12:30**
